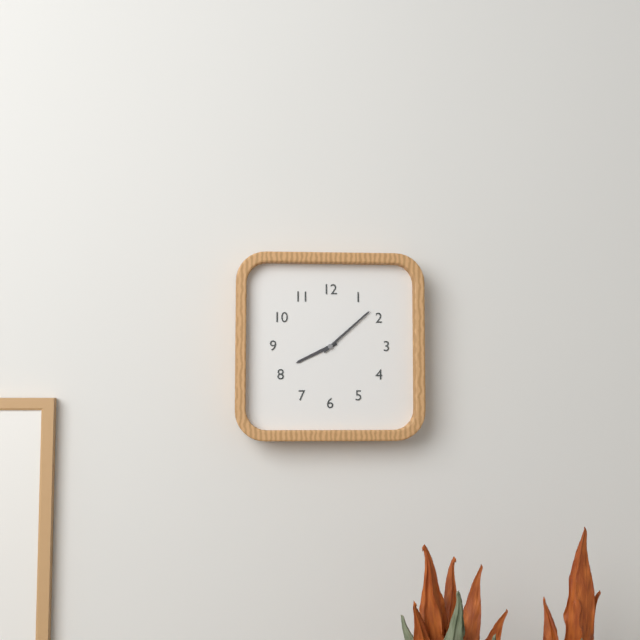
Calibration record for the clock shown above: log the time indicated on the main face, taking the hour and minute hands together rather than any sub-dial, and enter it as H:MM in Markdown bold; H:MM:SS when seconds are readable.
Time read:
**8:08**
